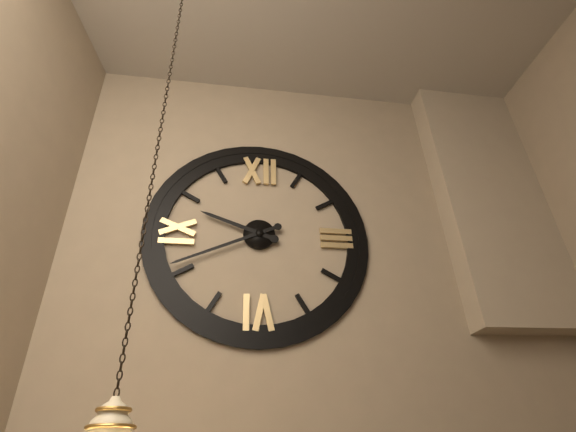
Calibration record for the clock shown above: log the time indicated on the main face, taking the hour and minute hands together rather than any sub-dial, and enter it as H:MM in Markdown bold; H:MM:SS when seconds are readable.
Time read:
**9:41**
